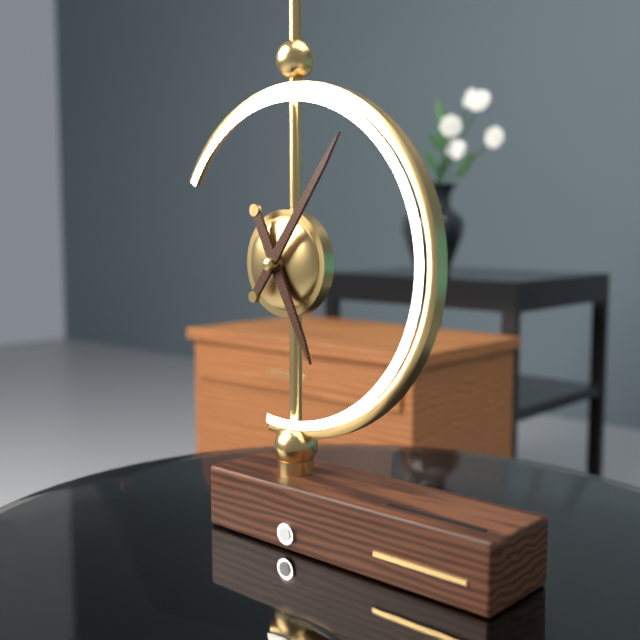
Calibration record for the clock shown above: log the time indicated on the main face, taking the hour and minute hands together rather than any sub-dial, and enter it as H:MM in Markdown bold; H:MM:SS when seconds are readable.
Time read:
**5:06**
